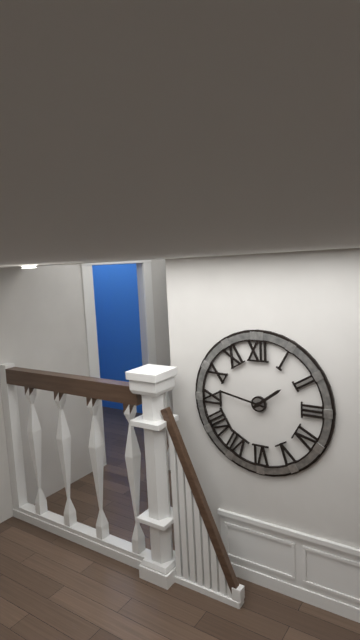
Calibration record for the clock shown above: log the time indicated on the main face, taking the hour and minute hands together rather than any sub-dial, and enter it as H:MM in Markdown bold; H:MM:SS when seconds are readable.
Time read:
**1:47**
